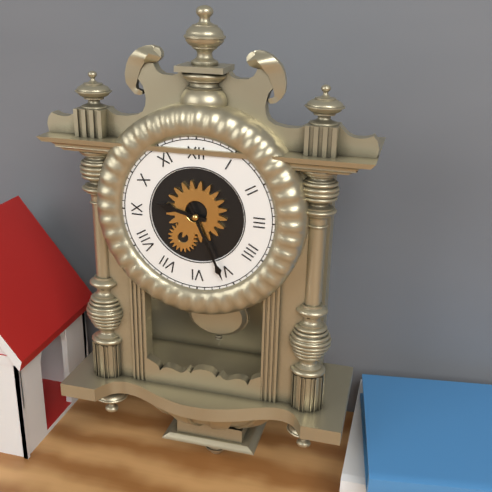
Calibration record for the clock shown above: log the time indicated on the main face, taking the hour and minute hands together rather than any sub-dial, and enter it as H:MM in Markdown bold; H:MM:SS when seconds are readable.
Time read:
**9:26**
